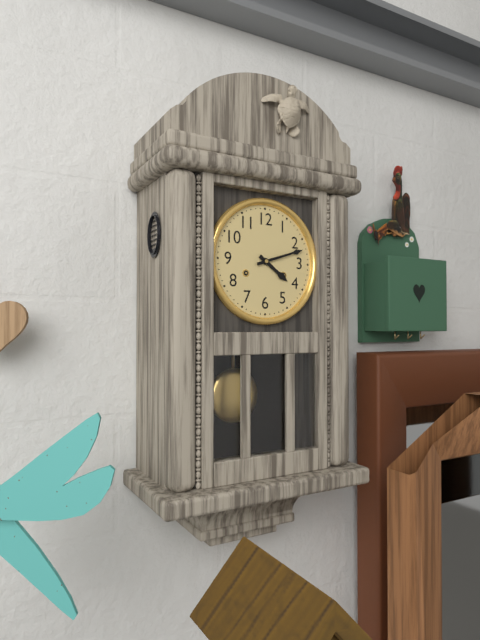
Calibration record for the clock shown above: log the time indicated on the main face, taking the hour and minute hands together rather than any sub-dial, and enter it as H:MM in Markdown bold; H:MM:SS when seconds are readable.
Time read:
**4:12**
